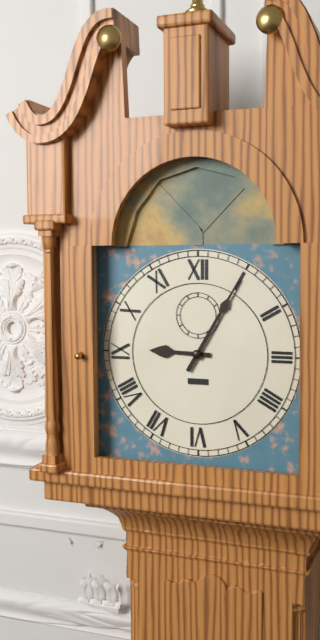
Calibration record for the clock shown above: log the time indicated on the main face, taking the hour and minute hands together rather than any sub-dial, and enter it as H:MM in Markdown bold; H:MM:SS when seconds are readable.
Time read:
**9:05**
